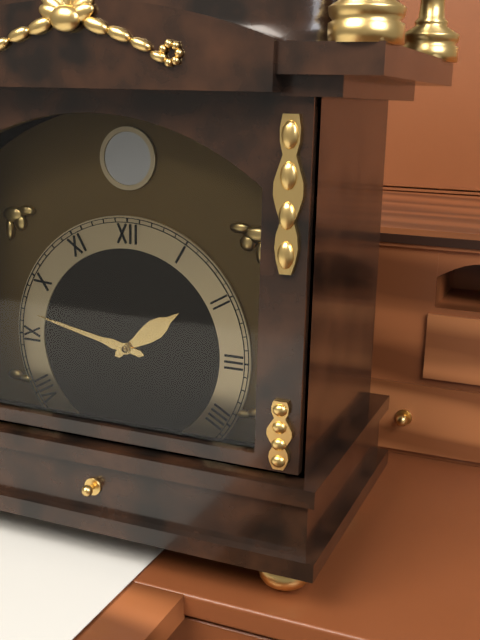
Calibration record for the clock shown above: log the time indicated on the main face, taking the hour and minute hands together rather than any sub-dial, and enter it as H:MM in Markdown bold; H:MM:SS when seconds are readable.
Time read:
**1:47**
